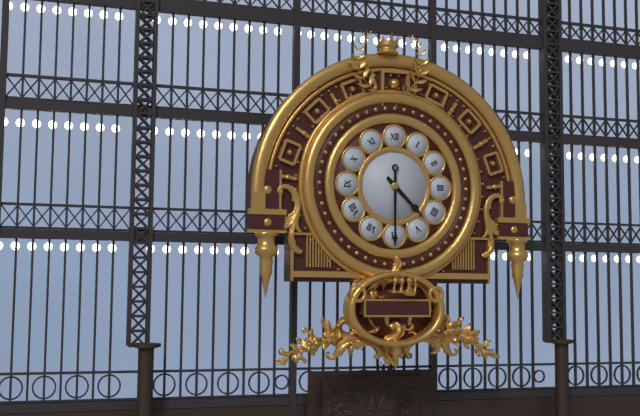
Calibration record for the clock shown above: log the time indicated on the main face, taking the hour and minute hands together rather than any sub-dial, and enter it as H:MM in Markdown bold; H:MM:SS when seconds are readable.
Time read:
**4:30**
